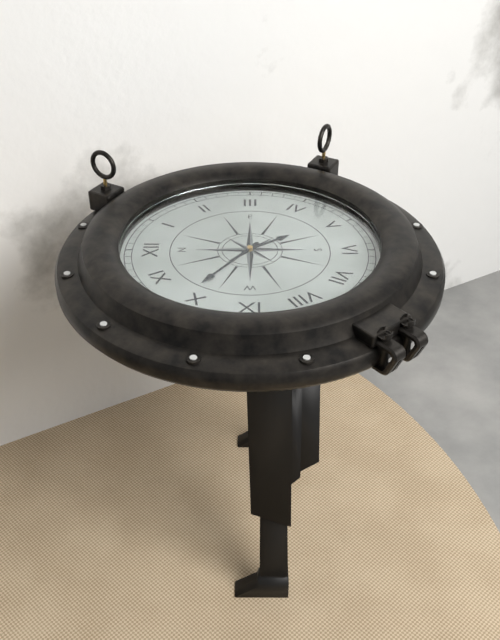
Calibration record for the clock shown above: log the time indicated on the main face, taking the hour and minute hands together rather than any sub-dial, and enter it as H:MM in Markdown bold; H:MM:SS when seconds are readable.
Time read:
**4:51**
